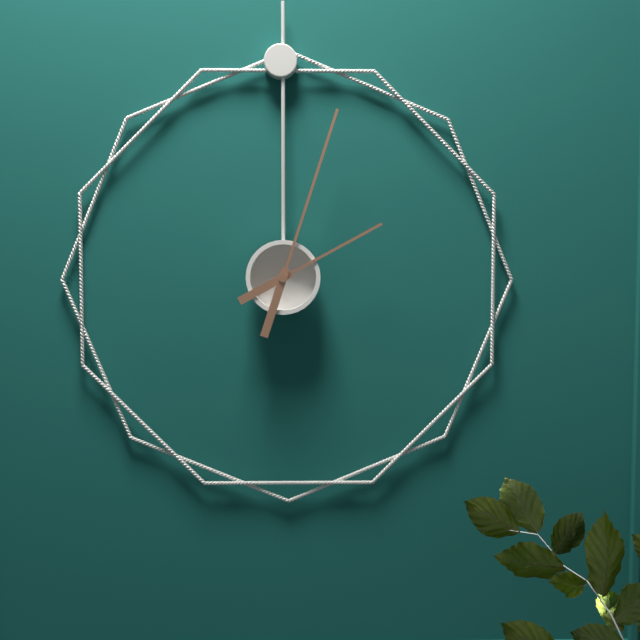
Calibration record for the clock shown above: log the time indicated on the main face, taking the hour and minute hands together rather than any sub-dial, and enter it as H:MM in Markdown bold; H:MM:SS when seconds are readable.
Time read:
**2:03**
